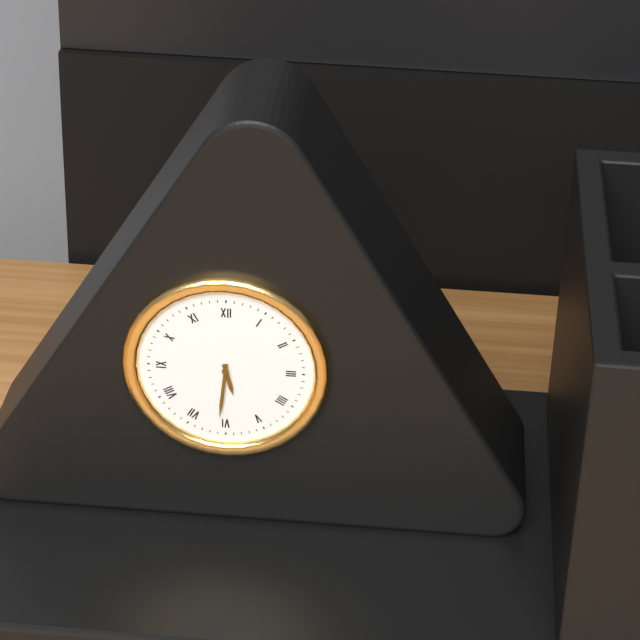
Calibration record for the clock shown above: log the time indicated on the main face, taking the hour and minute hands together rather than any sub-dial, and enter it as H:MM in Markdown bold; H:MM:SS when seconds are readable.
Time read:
**5:31**
